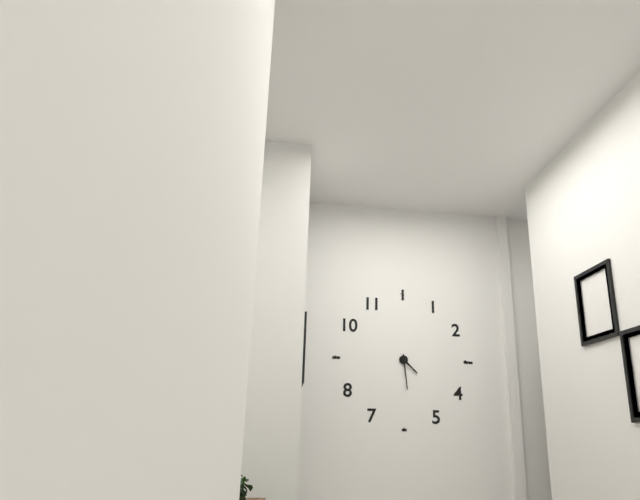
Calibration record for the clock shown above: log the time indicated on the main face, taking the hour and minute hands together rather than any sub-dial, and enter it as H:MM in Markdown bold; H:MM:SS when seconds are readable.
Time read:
**4:29**
